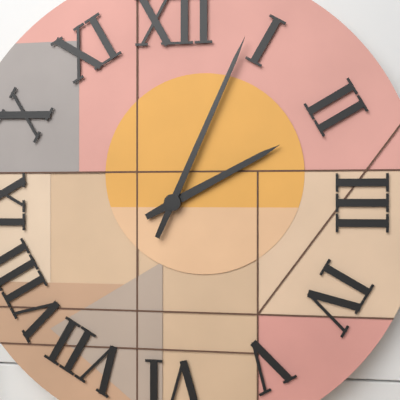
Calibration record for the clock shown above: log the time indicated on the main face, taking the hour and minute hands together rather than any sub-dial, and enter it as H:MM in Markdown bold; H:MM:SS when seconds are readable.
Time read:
**2:04**
